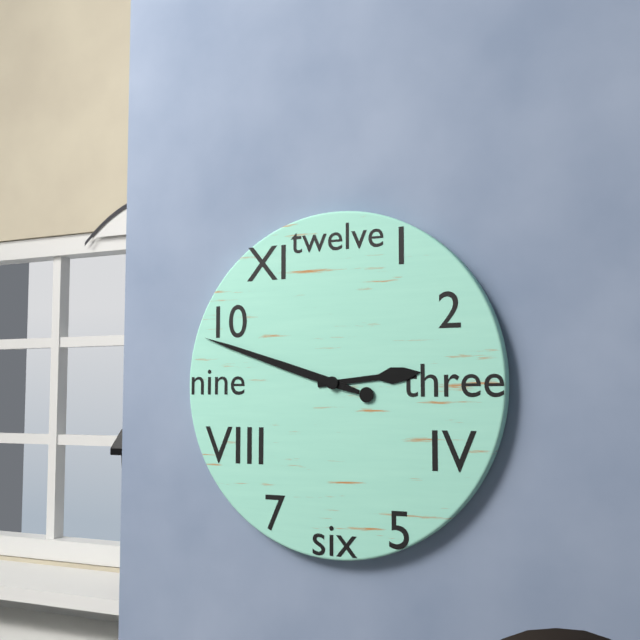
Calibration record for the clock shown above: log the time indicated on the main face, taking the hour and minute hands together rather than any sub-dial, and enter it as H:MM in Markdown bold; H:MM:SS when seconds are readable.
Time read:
**2:48**
